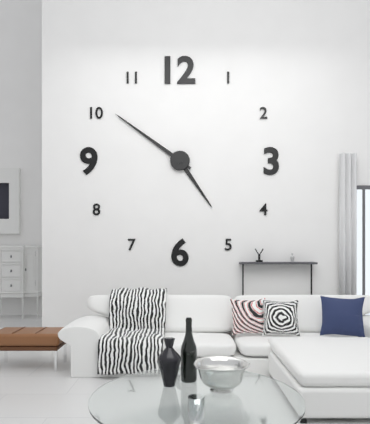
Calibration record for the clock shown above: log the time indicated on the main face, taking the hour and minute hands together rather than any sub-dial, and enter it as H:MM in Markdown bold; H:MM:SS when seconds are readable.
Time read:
**4:51**
